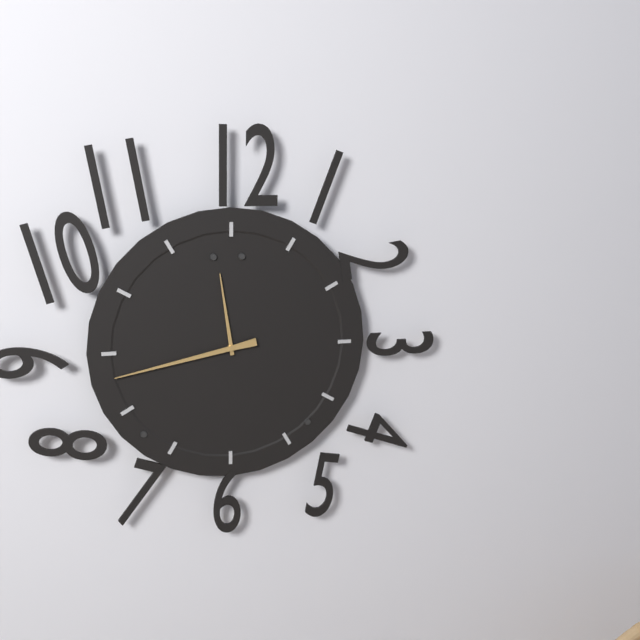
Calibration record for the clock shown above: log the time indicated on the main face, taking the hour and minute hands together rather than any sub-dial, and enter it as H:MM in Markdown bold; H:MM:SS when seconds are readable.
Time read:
**11:43**
